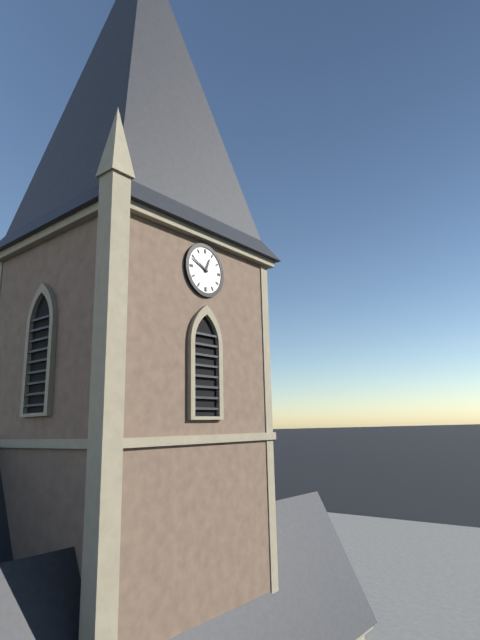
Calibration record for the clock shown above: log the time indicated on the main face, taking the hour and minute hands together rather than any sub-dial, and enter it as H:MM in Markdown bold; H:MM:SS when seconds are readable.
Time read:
**12:49**
